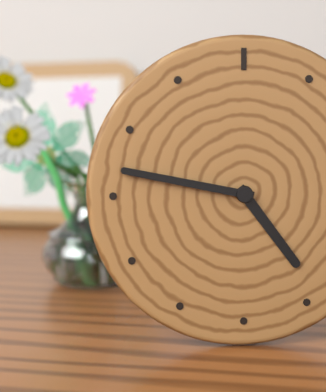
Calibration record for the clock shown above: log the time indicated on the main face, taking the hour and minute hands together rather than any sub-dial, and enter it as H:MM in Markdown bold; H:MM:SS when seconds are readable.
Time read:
**4:47**
